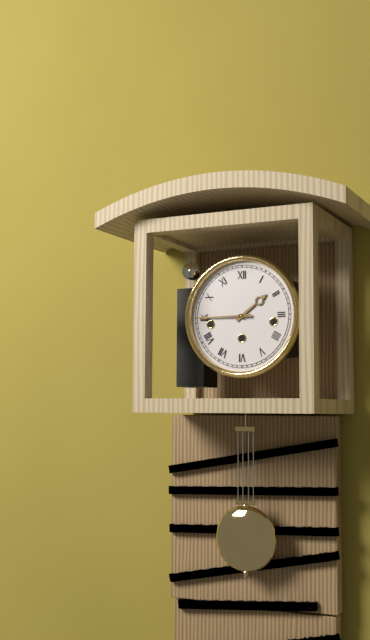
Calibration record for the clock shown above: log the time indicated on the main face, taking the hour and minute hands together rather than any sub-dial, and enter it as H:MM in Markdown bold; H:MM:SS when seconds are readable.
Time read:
**1:45**
